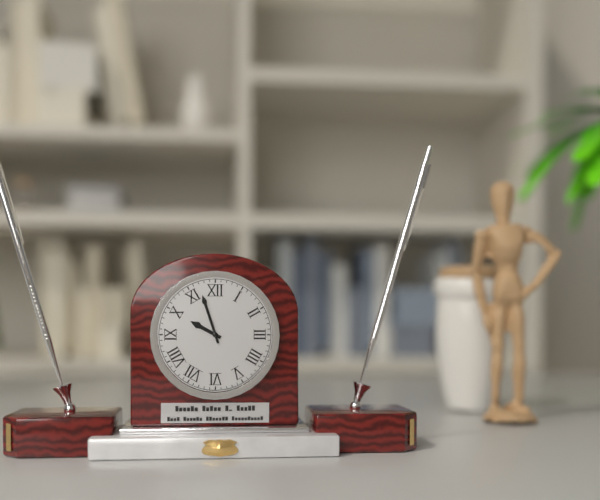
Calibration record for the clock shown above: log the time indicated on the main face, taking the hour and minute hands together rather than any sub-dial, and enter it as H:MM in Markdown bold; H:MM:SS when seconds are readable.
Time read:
**9:57**
